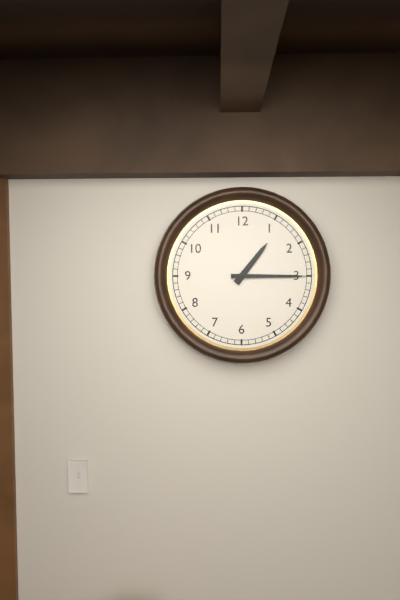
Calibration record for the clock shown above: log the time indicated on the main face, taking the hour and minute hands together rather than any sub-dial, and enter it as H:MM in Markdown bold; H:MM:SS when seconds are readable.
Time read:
**1:15**
